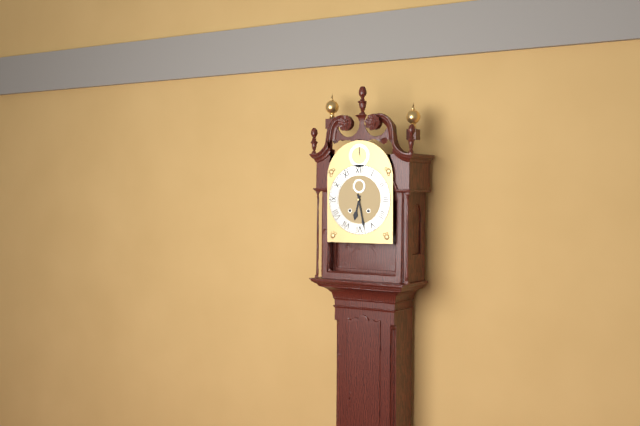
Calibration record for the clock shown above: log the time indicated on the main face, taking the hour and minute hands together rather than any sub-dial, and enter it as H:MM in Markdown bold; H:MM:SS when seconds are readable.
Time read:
**6:28**
